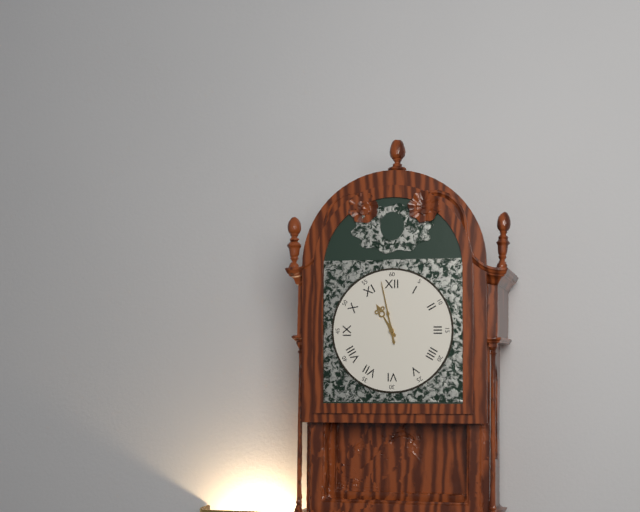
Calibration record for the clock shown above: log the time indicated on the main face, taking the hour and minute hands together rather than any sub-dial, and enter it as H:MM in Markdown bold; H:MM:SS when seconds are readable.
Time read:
**10:58**
